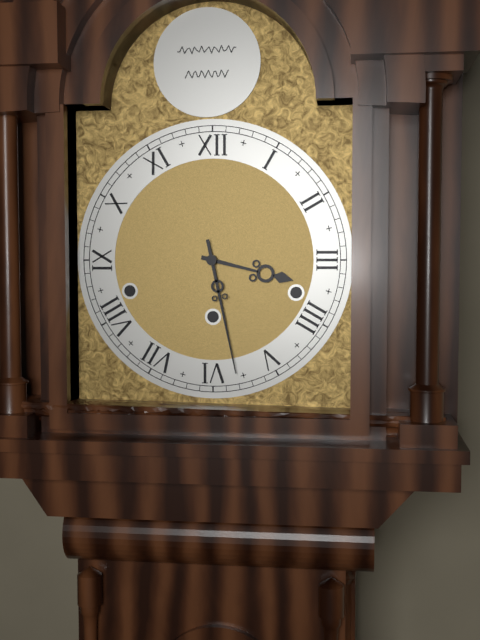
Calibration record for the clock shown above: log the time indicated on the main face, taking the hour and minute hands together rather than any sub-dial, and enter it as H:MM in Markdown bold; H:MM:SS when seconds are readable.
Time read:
**3:28**
